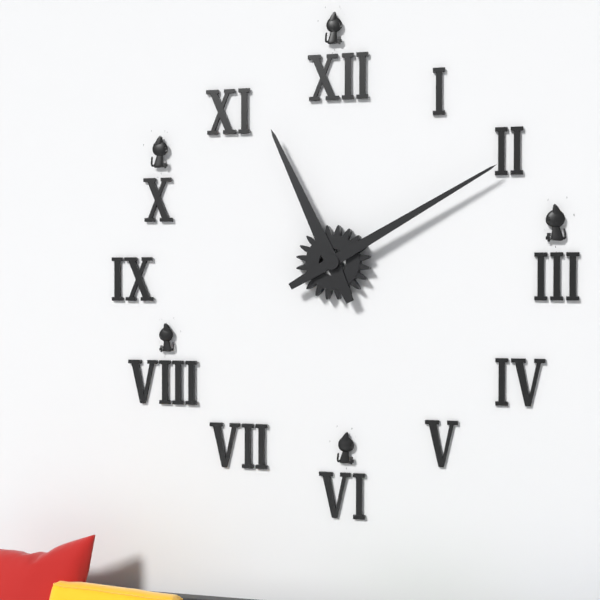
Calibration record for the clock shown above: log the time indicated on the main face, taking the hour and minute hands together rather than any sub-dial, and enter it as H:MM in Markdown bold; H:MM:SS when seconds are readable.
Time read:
**11:10**
